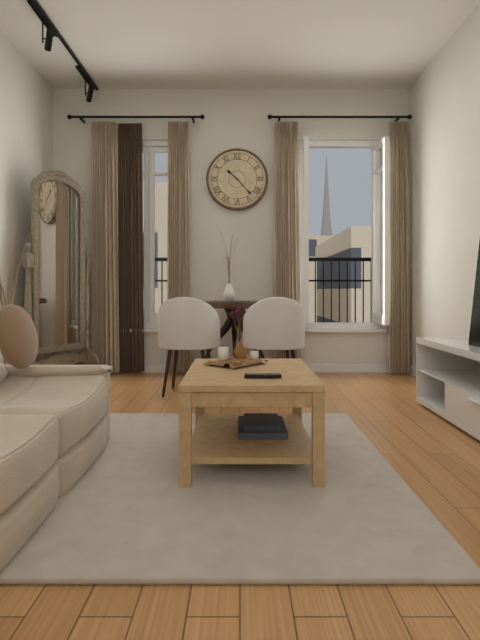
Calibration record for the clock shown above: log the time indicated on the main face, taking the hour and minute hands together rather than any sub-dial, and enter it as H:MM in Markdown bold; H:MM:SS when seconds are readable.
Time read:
**10:23**
